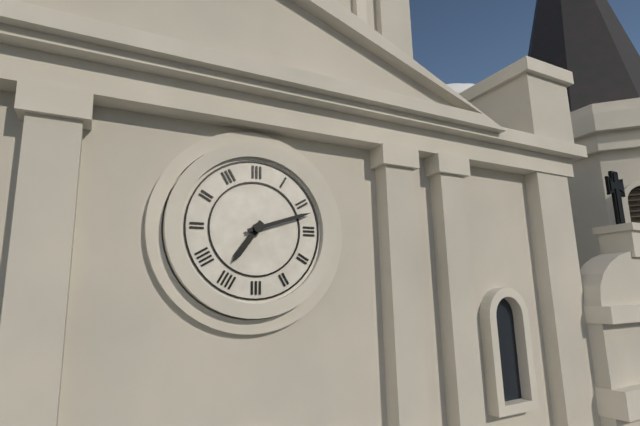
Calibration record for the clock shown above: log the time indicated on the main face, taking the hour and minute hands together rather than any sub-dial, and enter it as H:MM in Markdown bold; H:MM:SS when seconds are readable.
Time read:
**7:12**
